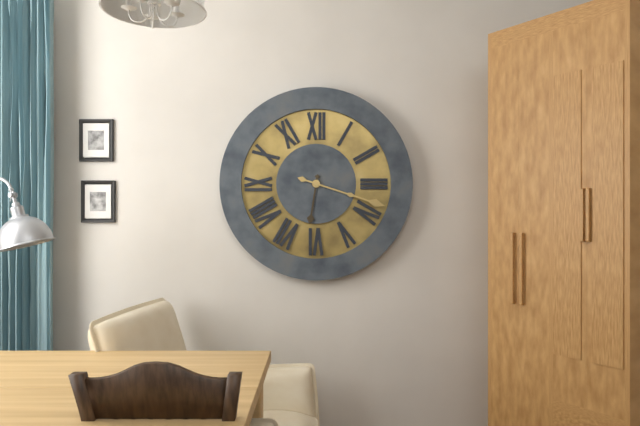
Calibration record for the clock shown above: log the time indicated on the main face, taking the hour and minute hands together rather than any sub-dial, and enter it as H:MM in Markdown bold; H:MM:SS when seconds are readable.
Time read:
**6:18**
